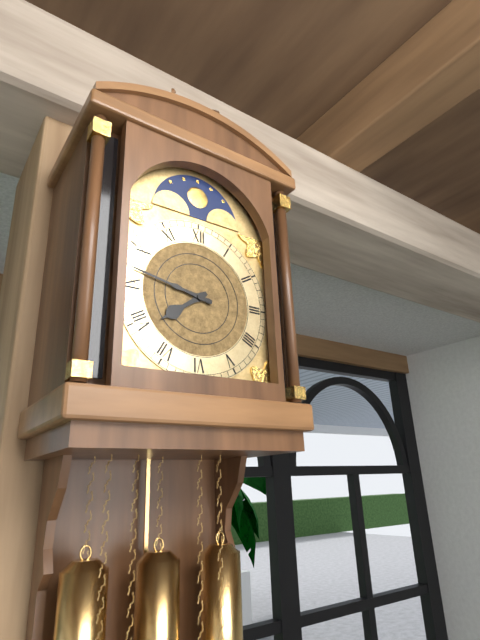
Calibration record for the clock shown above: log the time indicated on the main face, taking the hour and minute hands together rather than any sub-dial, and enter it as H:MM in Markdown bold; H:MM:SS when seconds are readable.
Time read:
**7:47**
